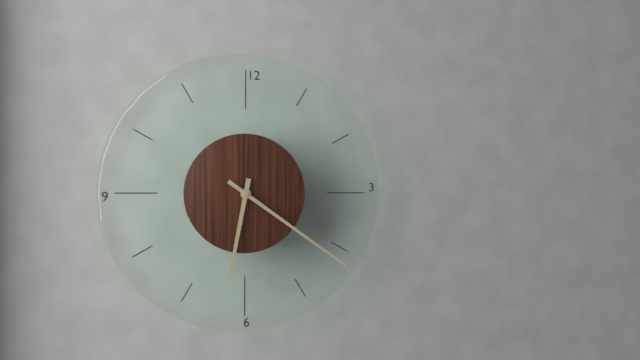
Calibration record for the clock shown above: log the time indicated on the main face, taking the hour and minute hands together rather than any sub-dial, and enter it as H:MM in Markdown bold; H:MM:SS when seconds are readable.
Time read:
**6:21**
